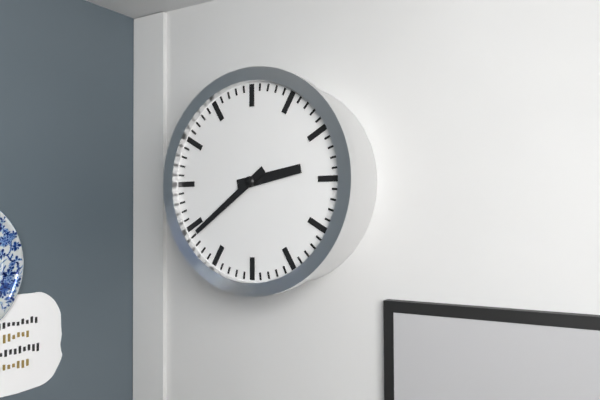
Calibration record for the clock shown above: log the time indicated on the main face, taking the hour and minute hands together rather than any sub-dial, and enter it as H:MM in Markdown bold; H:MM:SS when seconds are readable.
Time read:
**2:39**
